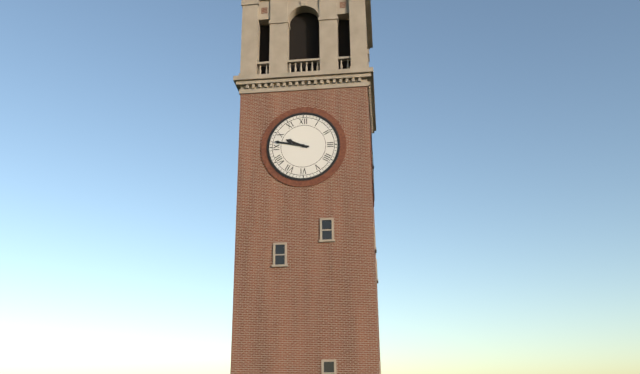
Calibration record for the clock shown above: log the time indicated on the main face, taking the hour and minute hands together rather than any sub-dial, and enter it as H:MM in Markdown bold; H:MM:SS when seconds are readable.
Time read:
**9:47**
